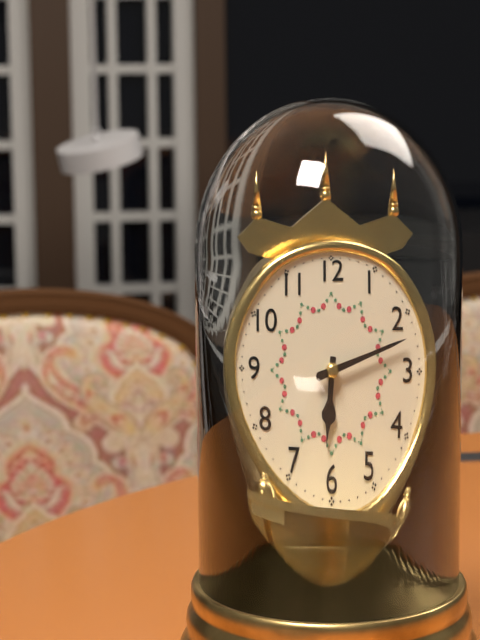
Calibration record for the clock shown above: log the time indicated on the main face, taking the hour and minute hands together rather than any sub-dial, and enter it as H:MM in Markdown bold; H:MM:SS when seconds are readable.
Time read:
**6:12**
